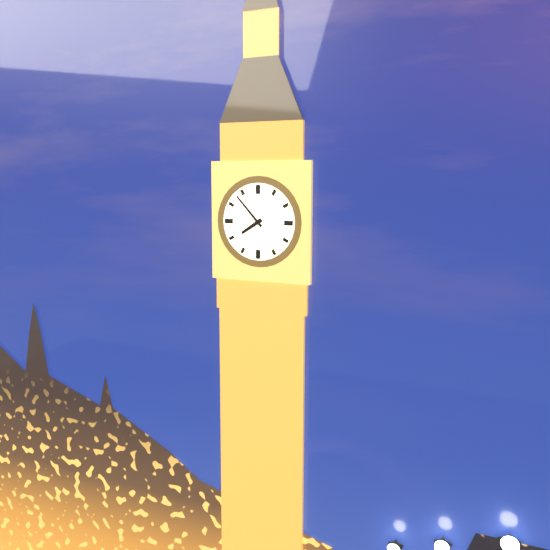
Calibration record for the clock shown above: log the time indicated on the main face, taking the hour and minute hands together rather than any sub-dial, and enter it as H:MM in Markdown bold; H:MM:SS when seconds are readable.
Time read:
**7:53**
